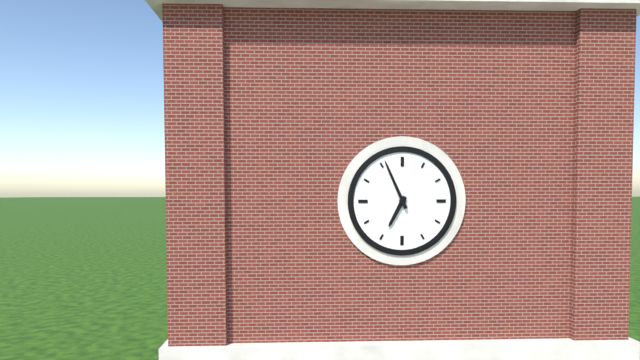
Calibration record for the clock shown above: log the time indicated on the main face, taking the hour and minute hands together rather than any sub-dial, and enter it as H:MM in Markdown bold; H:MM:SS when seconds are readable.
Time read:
**6:56**
